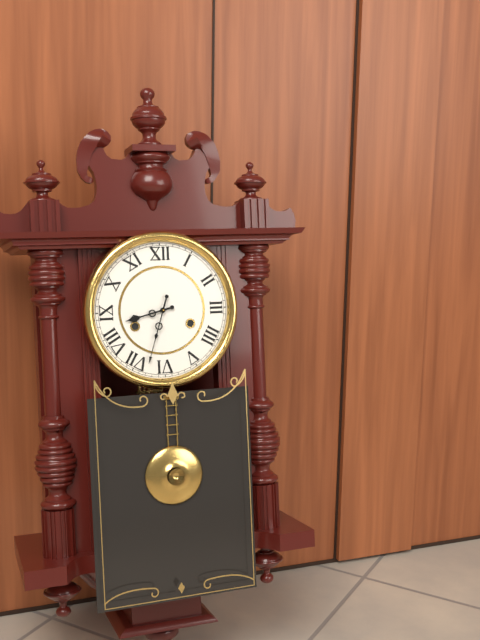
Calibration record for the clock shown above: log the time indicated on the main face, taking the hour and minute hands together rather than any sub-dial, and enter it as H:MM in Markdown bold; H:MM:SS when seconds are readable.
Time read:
**8:33**
